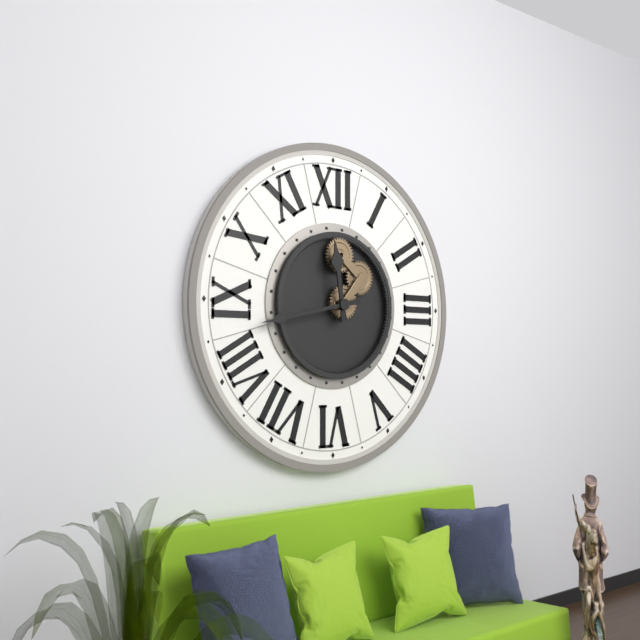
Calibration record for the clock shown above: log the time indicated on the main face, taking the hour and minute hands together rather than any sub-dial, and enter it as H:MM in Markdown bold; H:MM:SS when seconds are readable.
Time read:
**11:43**
